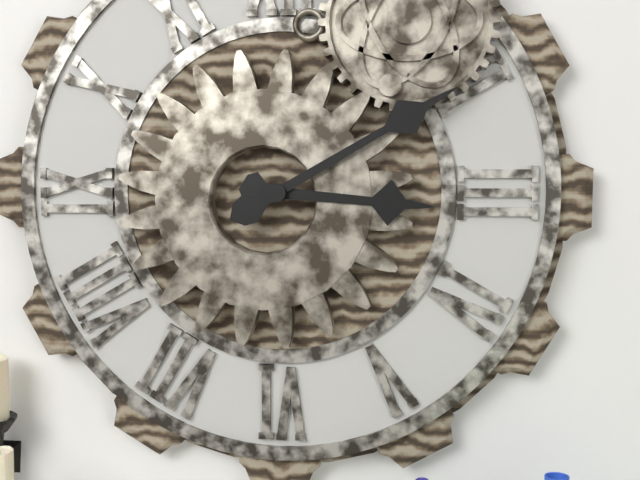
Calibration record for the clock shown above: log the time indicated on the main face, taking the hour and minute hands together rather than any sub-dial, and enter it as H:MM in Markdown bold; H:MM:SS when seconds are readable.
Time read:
**3:10**
